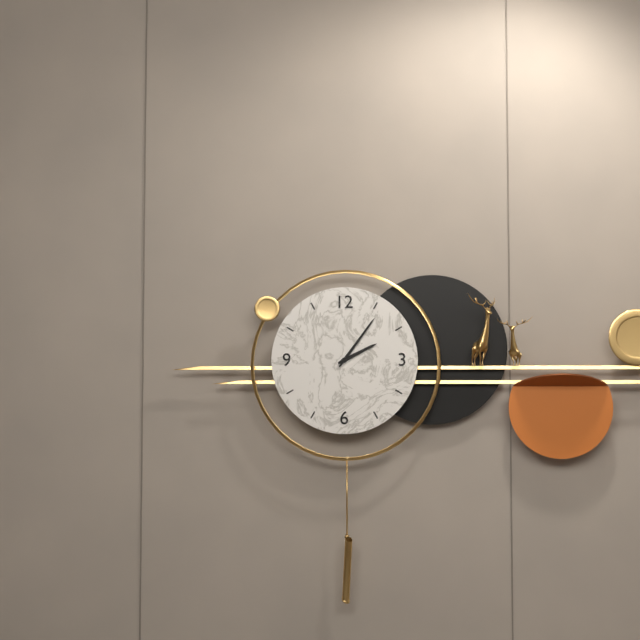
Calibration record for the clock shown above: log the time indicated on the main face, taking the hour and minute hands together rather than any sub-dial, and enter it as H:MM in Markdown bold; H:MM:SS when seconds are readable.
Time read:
**2:06**
